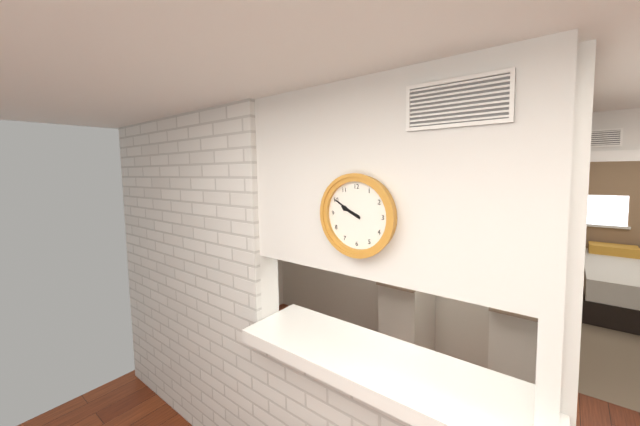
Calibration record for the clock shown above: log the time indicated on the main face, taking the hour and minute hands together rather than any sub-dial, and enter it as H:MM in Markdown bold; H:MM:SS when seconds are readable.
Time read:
**9:50**
